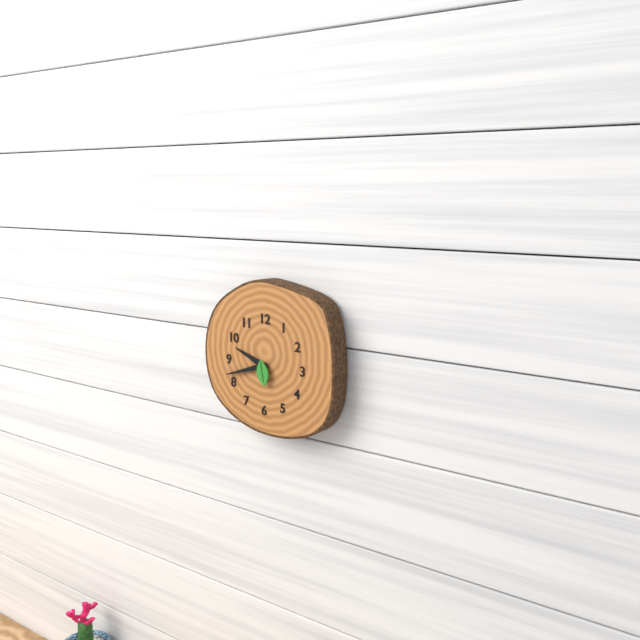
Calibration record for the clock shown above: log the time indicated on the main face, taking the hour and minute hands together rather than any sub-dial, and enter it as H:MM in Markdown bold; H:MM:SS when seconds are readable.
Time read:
**9:42**
